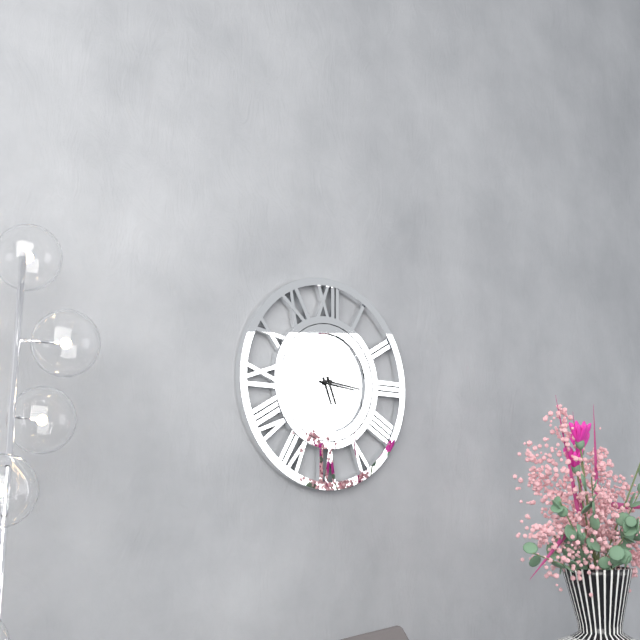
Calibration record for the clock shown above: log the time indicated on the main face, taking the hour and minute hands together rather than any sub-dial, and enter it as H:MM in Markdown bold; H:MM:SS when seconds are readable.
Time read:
**5:16**
